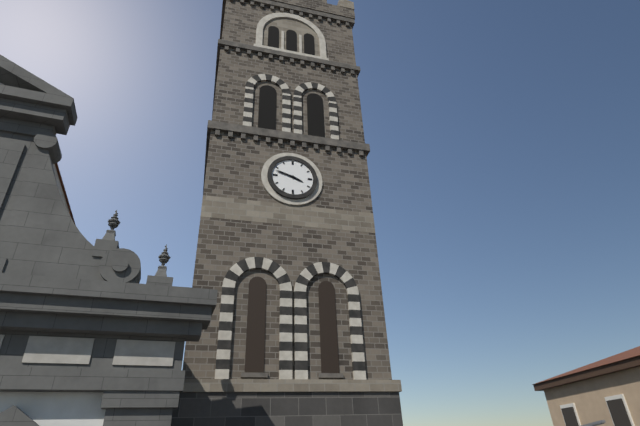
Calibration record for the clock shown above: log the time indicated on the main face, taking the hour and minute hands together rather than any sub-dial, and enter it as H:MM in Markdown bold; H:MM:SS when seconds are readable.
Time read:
**3:48**
